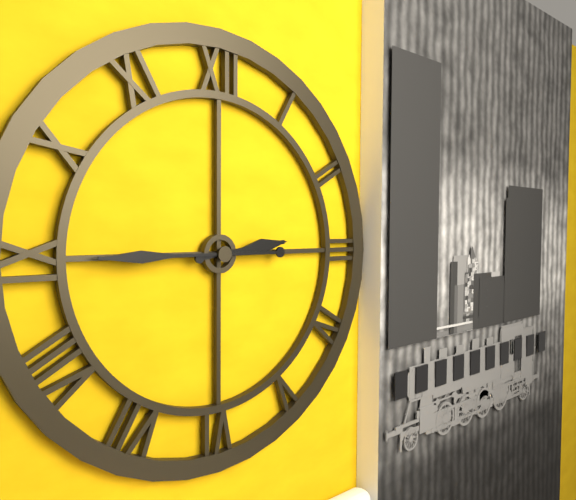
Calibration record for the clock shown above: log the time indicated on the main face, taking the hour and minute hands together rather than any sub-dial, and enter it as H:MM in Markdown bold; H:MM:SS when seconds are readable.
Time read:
**2:45**
